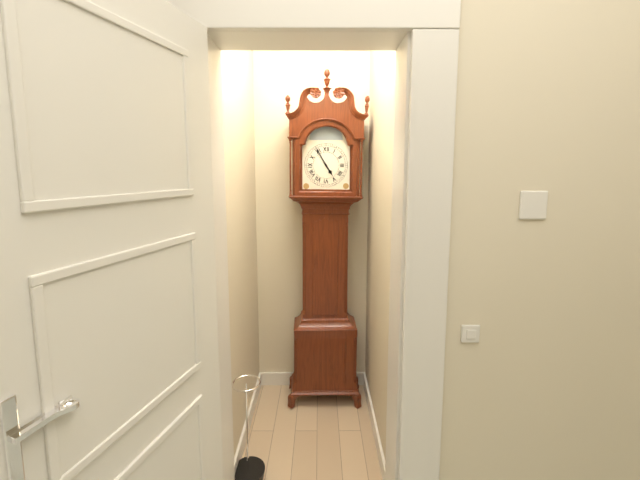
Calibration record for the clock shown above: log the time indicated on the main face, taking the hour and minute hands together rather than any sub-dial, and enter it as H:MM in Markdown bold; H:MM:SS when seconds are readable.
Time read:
**4:55**
